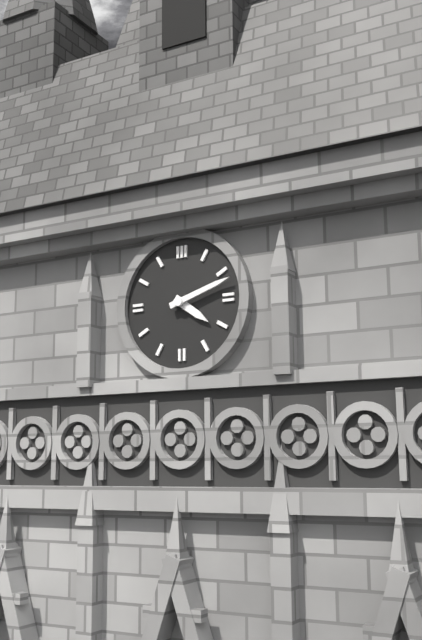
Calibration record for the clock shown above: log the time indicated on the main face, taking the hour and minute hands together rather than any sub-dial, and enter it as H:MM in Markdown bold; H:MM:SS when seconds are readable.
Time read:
**4:12**
